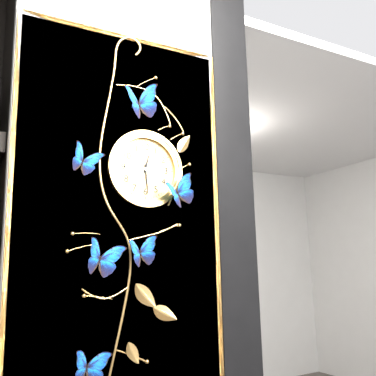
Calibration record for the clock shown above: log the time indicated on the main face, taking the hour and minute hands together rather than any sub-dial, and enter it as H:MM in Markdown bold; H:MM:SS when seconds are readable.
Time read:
**12:29**
